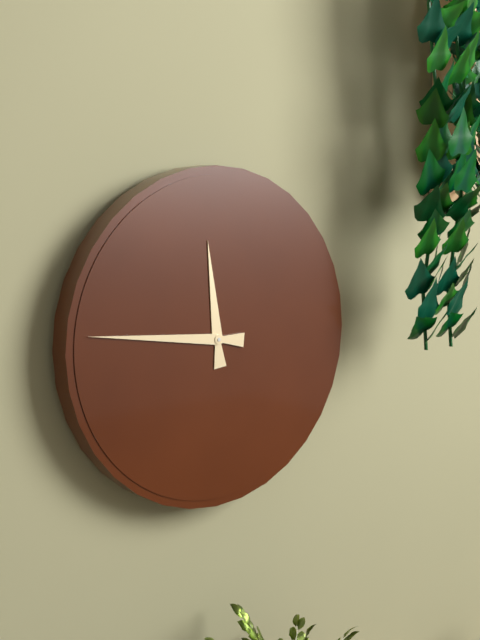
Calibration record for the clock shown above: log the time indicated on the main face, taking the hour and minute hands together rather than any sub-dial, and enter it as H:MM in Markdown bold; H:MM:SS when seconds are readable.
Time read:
**11:46**
